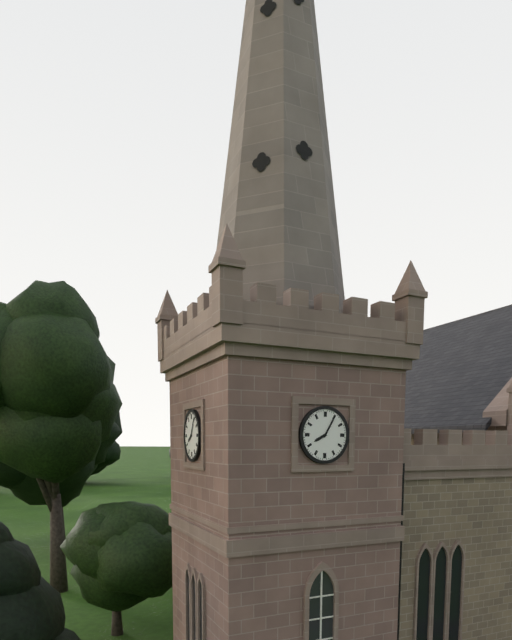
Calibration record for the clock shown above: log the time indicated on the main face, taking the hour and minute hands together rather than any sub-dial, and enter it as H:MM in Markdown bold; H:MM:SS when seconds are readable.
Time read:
**8:05**
